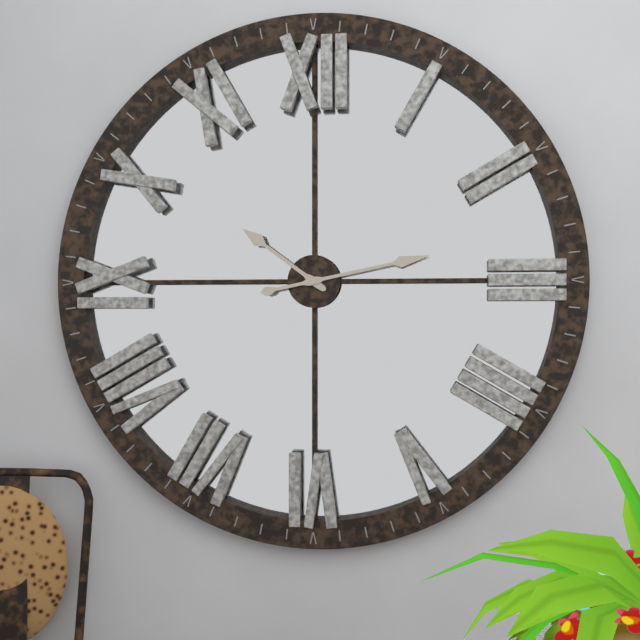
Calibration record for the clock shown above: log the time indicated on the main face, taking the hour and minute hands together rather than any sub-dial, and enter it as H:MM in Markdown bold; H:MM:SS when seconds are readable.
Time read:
**10:13**
